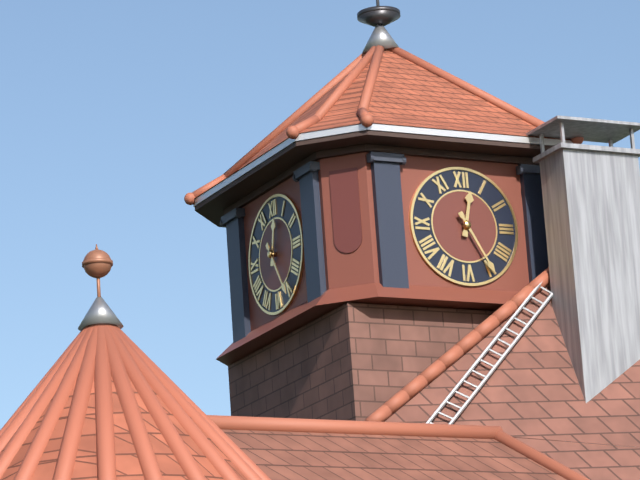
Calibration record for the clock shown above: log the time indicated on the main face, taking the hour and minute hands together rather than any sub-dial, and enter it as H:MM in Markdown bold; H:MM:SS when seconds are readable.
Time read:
**12:25**
